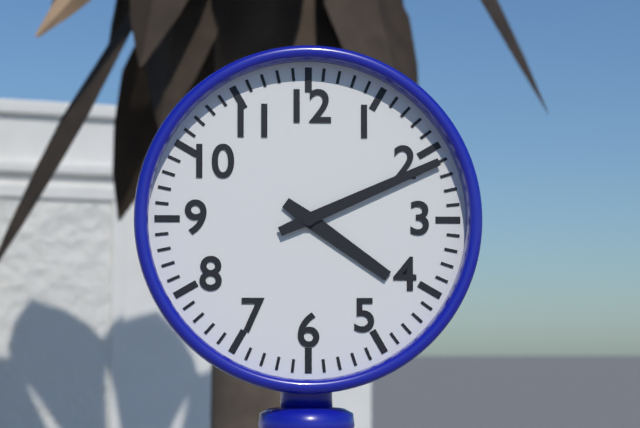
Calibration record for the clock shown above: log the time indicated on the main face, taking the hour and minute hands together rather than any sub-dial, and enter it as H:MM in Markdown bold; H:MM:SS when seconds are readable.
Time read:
**4:11**
